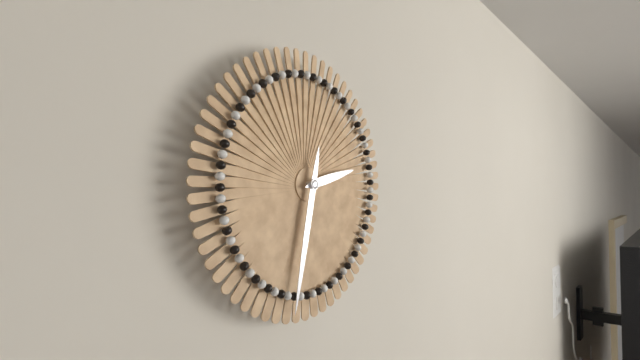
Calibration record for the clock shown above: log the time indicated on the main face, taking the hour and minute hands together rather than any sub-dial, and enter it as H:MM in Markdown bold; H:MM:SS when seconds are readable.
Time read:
**2:32**
